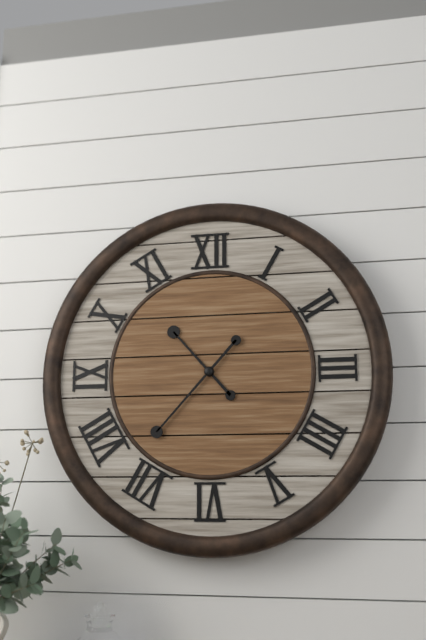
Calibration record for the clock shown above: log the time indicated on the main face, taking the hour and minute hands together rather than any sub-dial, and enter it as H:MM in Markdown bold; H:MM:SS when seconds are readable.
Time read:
**10:37**
